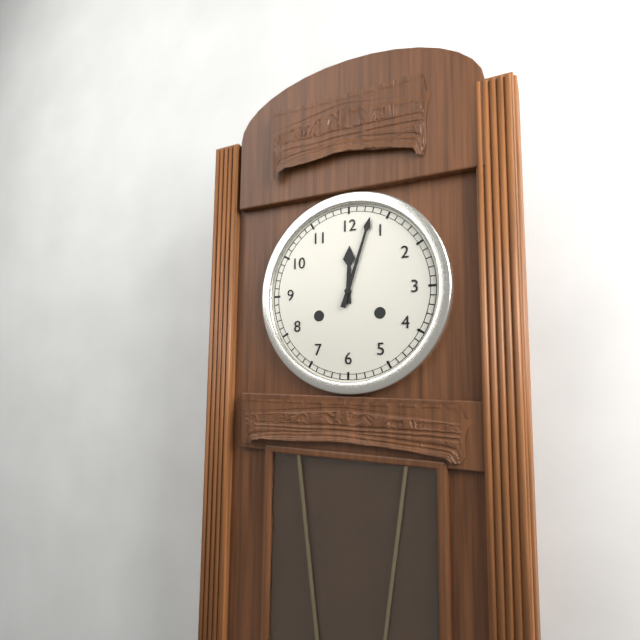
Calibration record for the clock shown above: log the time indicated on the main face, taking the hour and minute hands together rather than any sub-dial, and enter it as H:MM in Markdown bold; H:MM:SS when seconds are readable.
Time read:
**12:03**
